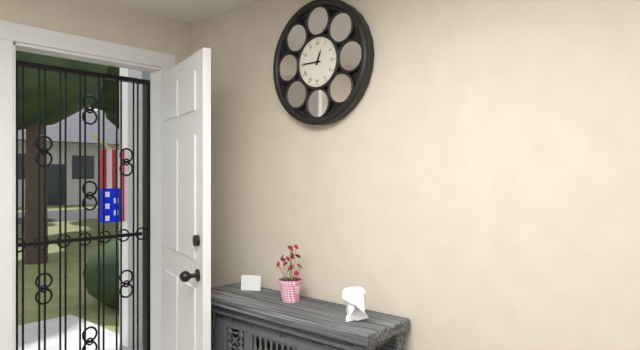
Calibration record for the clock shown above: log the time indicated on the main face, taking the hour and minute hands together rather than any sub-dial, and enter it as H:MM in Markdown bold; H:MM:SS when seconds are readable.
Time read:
**12:45**
